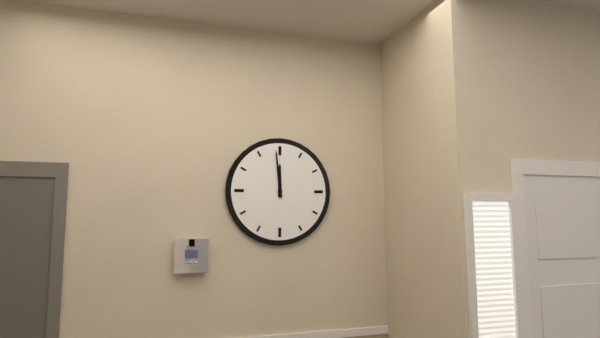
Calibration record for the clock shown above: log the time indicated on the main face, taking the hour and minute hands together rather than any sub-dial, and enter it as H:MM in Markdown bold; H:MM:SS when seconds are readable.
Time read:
**11:59**
